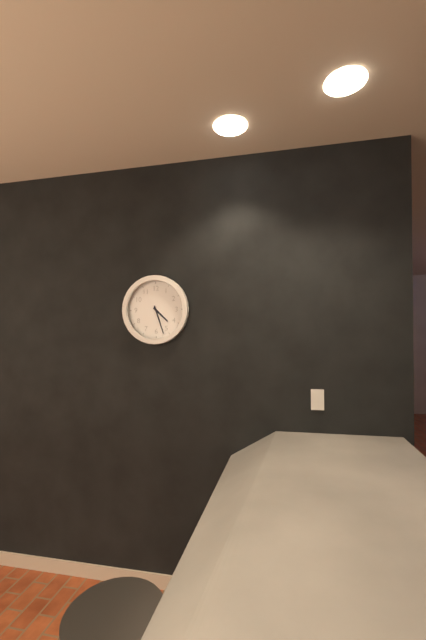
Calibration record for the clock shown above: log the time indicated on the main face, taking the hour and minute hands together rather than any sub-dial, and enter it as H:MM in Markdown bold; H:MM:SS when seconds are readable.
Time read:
**4:27**
